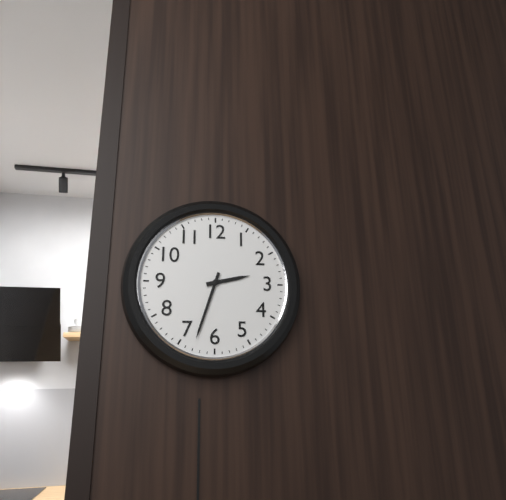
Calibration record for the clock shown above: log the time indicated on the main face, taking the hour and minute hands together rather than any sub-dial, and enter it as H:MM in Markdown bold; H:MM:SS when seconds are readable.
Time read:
**2:33**
